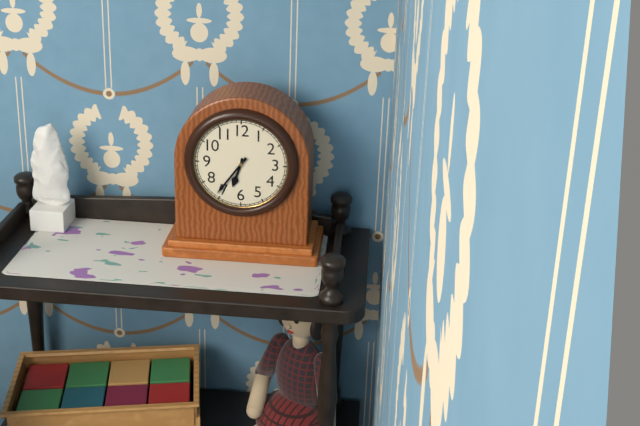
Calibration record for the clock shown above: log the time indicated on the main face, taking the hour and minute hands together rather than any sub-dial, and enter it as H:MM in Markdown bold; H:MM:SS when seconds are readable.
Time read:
**6:36**
